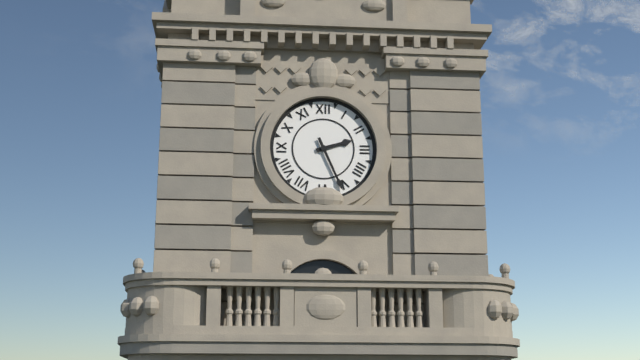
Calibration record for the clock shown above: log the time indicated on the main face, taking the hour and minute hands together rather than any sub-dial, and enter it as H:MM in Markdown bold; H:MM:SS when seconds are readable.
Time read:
**2:26**
